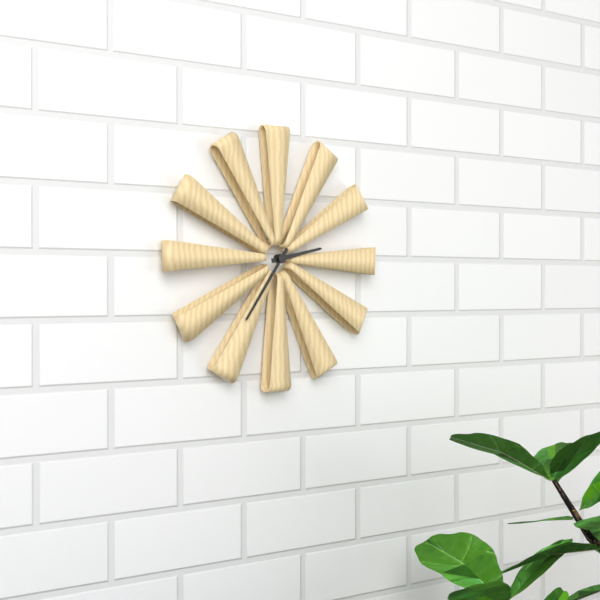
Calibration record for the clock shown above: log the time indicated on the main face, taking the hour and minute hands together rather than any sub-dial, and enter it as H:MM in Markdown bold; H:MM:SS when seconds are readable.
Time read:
**2:36**
